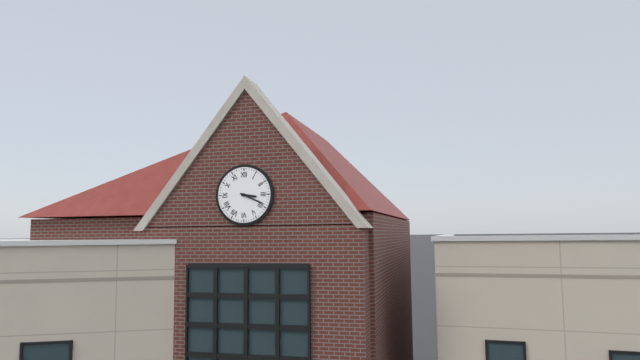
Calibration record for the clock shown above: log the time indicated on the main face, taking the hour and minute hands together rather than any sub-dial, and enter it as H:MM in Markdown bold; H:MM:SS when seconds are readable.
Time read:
**3:19**
